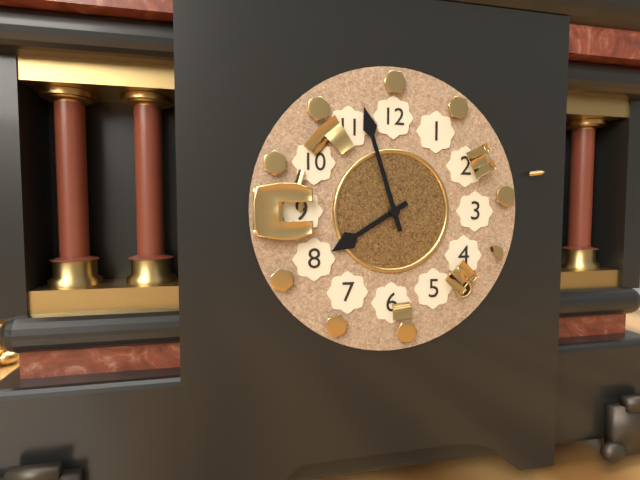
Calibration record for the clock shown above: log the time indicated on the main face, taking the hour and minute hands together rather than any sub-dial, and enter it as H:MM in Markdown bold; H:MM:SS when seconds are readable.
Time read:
**7:57**
